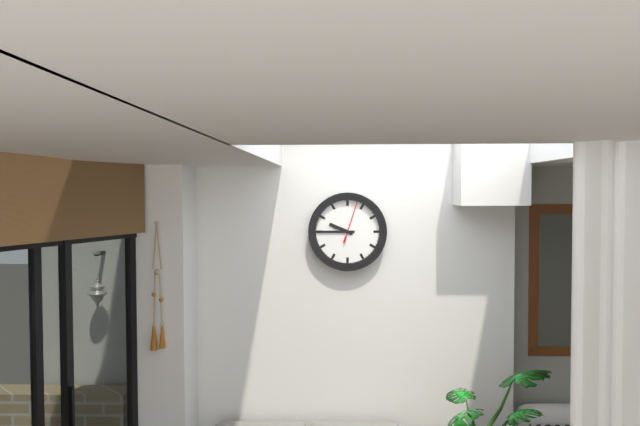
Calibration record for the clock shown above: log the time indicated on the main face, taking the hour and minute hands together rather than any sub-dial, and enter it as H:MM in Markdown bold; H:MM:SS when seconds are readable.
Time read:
**9:45**
